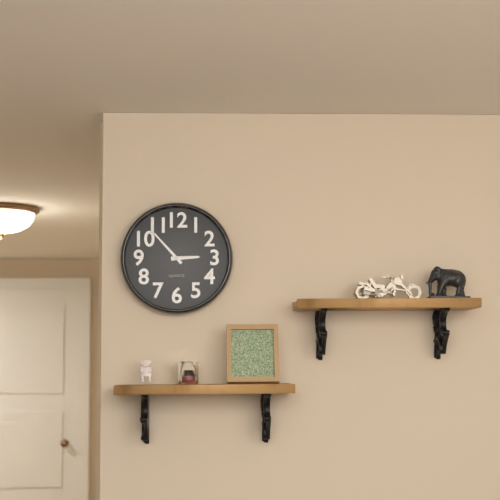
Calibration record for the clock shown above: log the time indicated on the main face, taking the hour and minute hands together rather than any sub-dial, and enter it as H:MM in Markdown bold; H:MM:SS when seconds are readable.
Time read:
**2:53**
